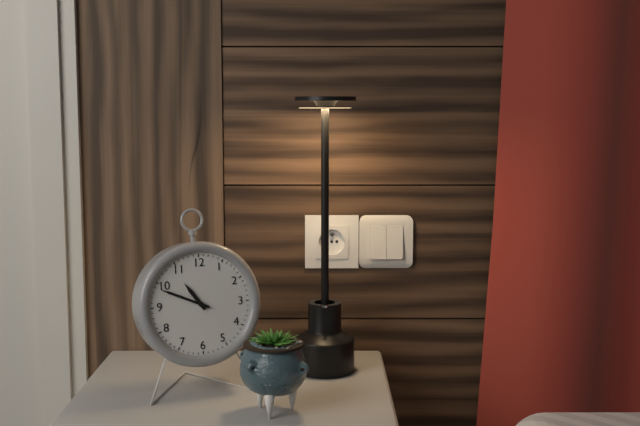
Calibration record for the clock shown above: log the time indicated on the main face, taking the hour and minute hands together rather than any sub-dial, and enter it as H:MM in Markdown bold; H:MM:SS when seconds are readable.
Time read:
**10:49**
